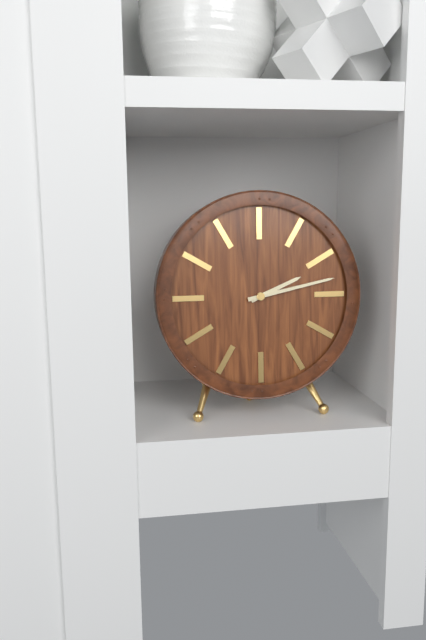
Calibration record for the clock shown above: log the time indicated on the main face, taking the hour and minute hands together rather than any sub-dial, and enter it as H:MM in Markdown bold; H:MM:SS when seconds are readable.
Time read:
**2:13**
